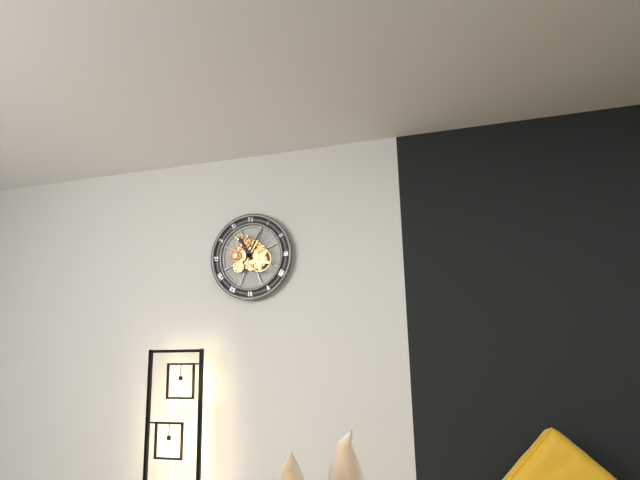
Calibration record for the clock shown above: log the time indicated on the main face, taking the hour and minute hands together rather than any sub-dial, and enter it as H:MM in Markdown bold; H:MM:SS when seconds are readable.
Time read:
**11:05**
